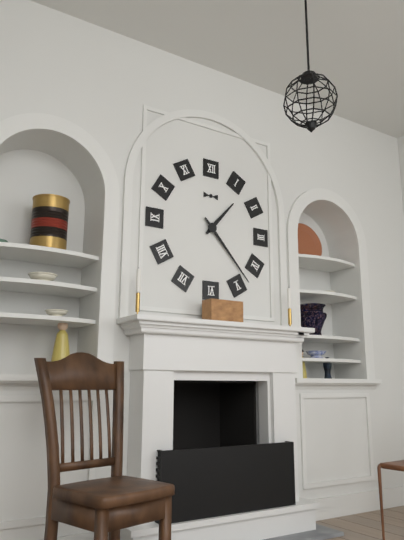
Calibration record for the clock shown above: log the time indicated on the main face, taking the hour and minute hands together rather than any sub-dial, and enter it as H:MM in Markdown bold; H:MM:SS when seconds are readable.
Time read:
**1:23**
